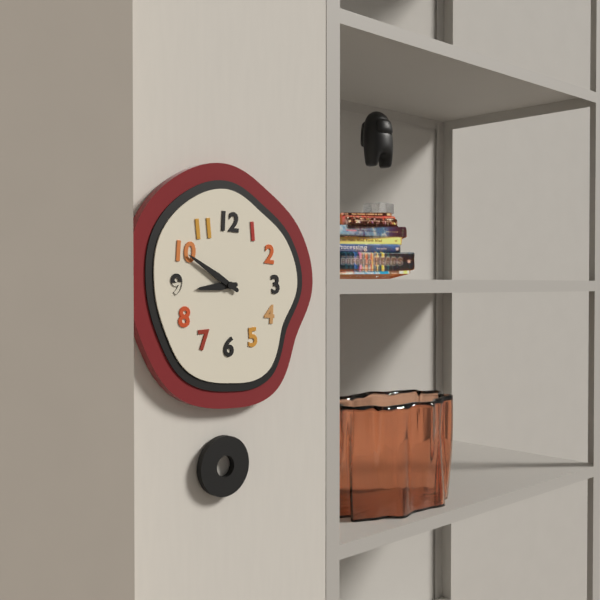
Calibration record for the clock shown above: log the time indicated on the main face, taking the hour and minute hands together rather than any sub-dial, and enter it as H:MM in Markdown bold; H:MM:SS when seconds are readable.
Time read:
**8:50**
